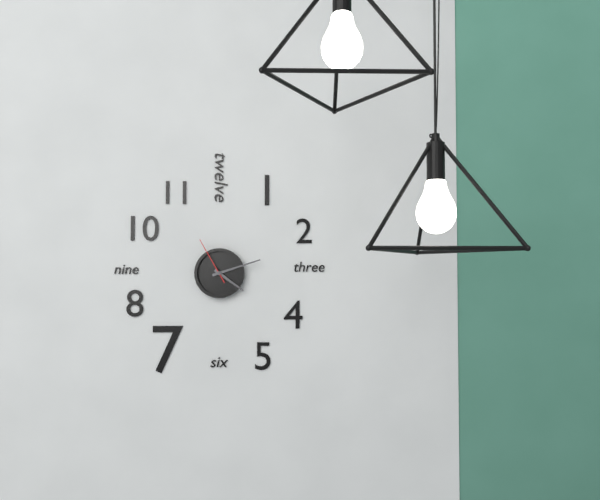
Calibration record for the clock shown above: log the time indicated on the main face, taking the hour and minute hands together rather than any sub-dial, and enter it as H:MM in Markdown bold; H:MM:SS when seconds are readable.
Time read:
**4:12**
